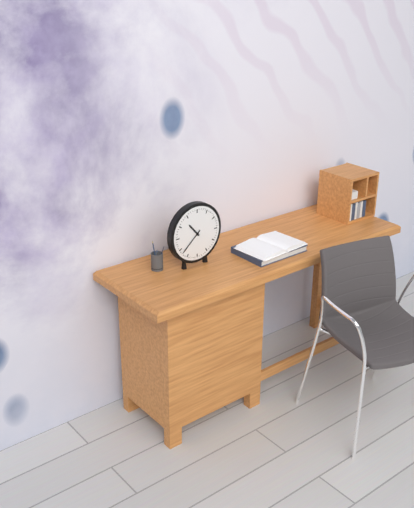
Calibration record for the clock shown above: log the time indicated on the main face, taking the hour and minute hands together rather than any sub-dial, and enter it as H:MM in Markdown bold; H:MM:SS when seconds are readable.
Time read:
**10:38**
